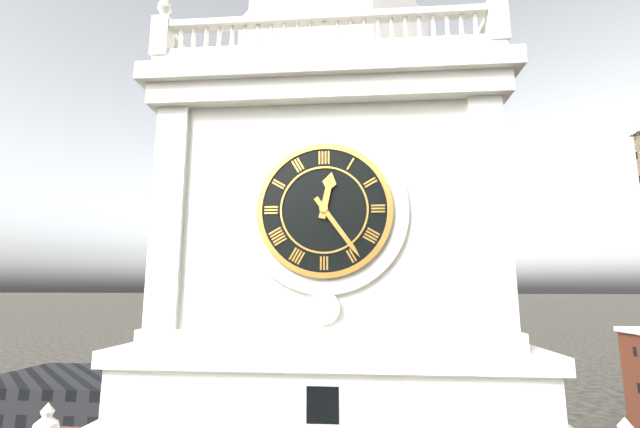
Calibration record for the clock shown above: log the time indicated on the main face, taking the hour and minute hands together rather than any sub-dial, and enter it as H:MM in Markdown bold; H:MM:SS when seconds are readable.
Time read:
**12:24**
